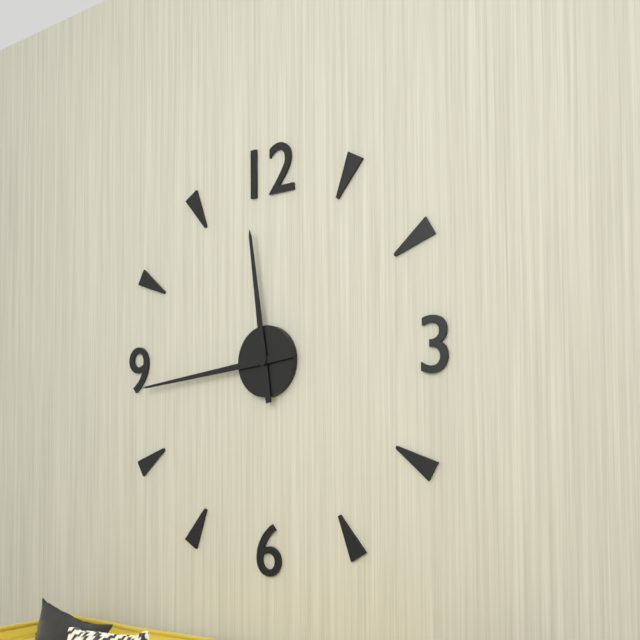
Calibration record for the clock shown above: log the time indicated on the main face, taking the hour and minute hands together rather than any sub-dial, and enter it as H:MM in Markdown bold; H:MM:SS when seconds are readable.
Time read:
**11:44**
